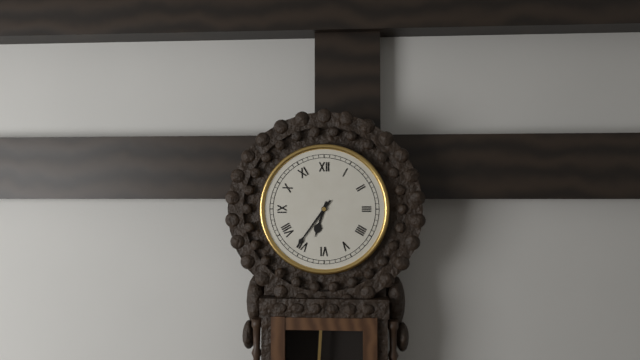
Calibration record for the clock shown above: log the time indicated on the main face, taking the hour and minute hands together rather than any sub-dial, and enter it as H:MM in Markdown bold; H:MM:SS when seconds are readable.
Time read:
**6:36**
